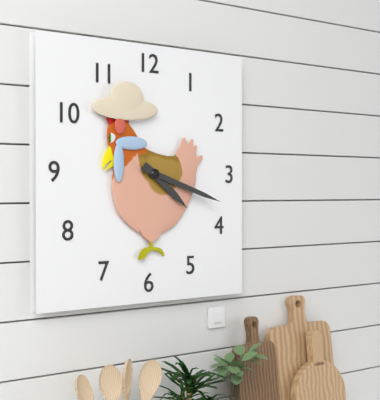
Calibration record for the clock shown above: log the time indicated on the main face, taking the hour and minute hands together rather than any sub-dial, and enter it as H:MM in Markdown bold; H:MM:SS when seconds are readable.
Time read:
**4:18**
